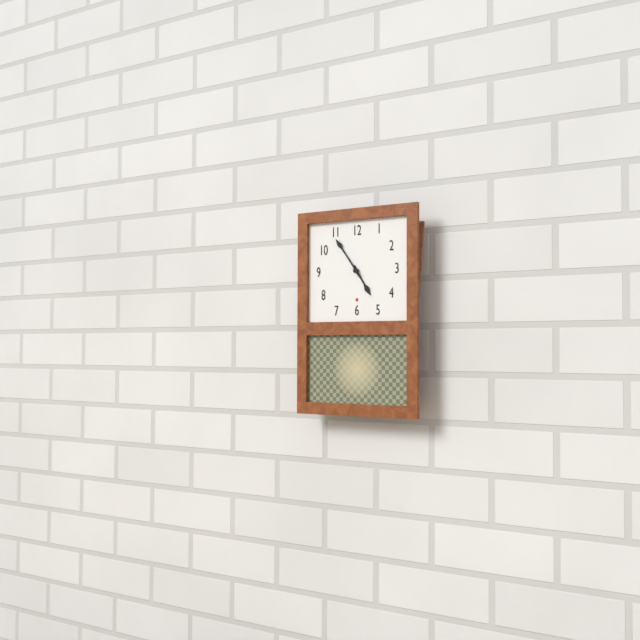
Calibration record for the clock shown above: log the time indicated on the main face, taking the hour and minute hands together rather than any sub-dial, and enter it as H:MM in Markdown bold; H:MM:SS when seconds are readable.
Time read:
**4:54**
